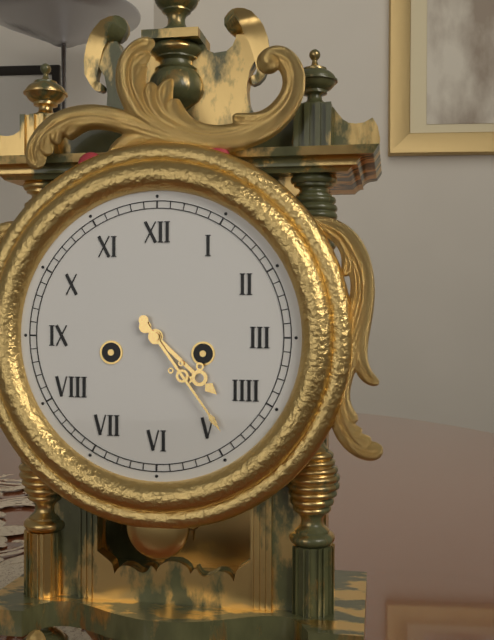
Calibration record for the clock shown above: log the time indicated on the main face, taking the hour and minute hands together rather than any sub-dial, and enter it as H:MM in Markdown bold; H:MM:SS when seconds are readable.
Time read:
**4:24**
